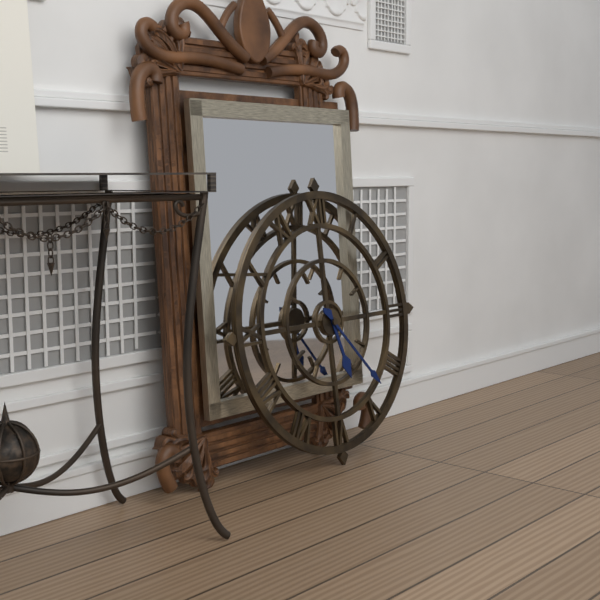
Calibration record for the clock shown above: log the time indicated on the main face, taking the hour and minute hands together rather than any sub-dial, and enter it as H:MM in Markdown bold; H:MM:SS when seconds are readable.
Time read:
**5:23**
